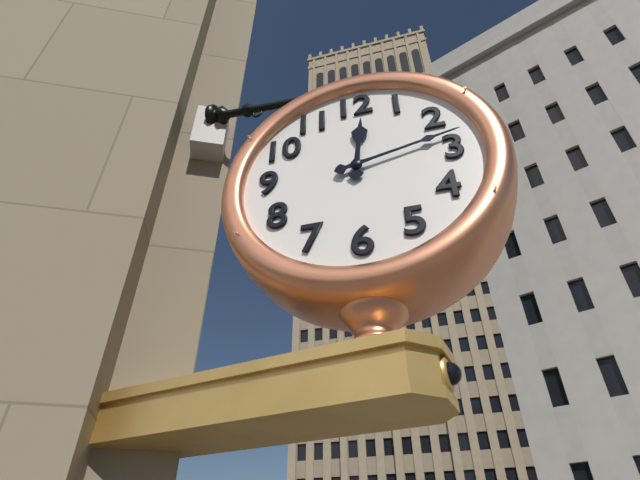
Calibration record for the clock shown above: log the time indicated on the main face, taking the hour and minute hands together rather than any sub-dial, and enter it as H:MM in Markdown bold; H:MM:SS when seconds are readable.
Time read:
**12:13**
